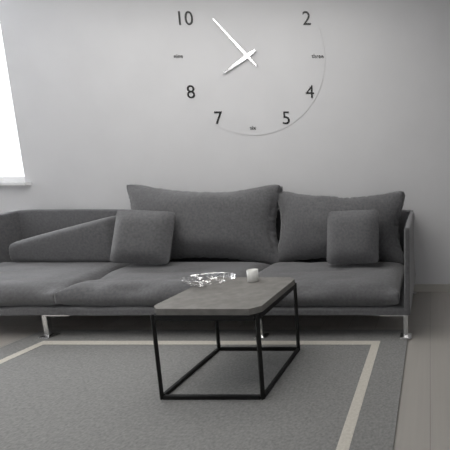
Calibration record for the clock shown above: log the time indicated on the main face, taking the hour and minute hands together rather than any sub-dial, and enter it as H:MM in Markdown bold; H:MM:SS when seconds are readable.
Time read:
**7:53**
